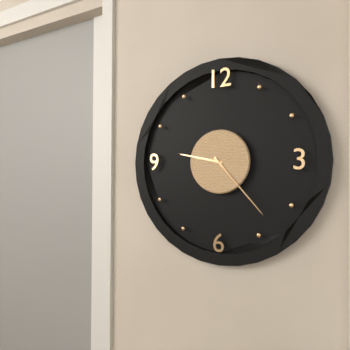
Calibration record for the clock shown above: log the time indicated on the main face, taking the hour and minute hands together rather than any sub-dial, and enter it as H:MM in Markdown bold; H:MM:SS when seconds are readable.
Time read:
**9:23**
